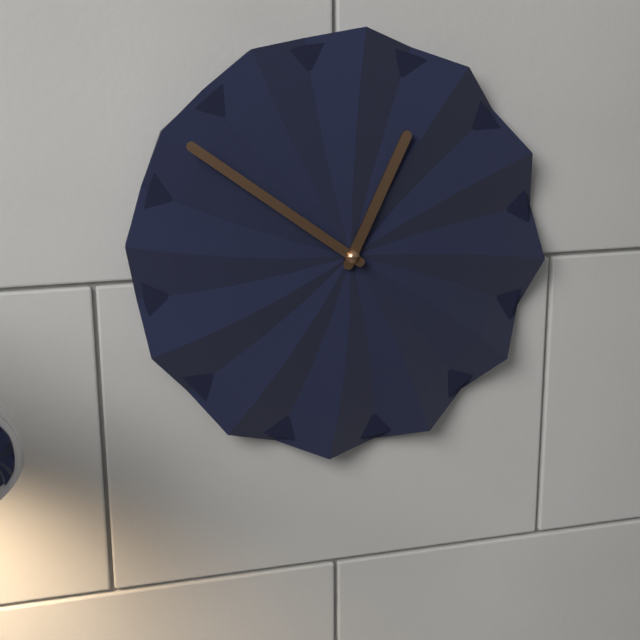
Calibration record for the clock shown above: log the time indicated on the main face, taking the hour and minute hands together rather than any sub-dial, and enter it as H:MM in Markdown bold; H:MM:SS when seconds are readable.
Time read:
**12:51**
